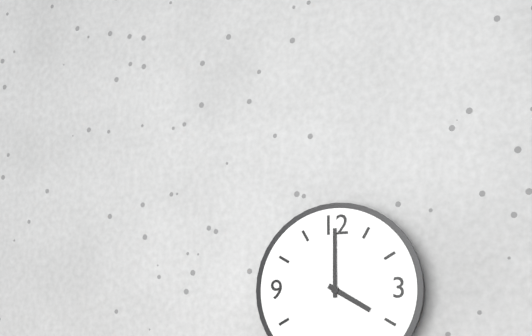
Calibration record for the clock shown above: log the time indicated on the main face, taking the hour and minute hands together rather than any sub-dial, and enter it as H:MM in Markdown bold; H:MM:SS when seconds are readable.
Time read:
**4:00**
